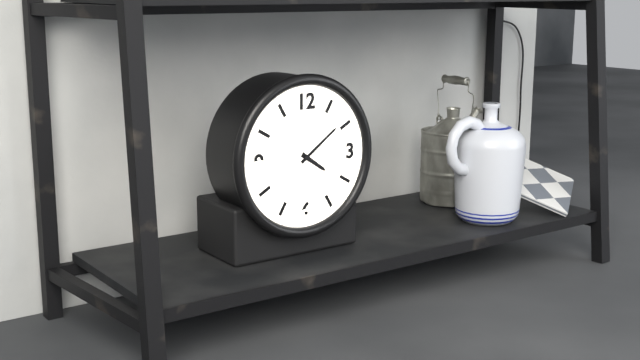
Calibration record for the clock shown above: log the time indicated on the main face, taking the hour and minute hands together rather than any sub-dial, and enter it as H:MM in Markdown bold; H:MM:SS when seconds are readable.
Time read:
**4:09**
